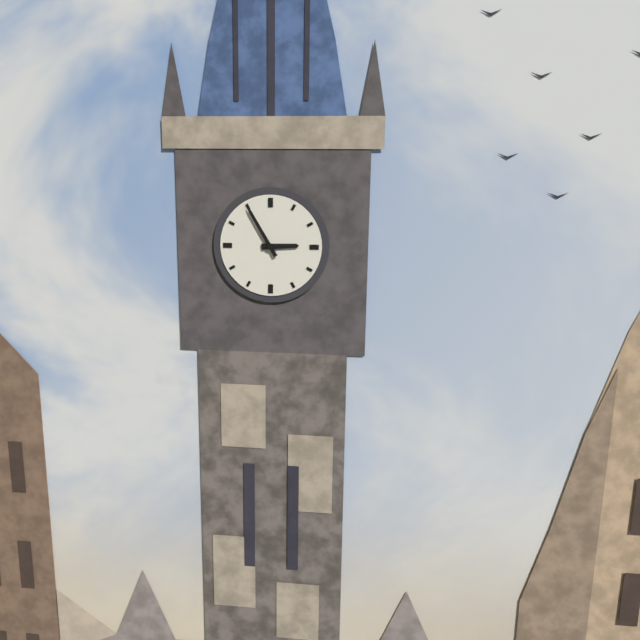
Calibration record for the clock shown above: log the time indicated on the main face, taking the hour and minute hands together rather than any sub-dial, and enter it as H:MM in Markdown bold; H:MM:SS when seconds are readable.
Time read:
**2:55**
